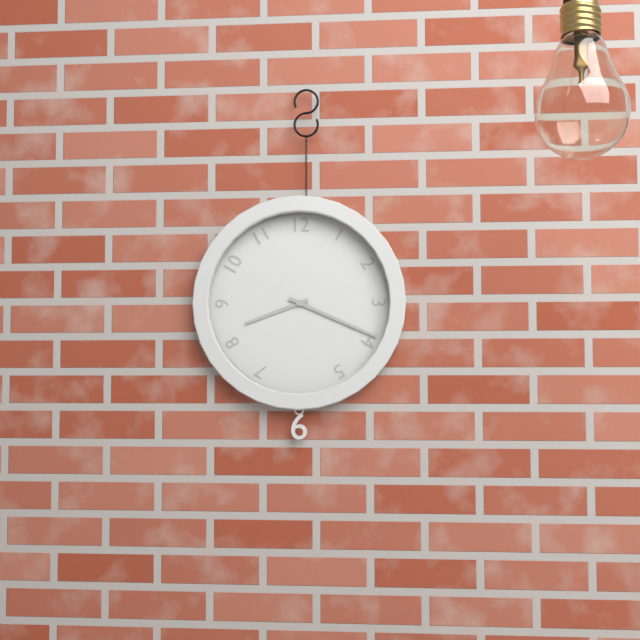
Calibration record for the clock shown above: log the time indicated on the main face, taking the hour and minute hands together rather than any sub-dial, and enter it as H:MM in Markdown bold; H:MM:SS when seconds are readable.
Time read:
**8:19**
